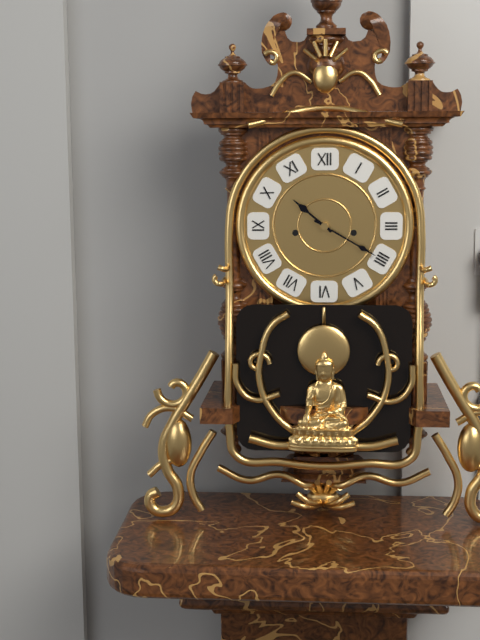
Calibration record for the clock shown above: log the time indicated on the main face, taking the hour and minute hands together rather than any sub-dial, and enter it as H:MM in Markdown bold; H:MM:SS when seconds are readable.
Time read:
**10:20**
